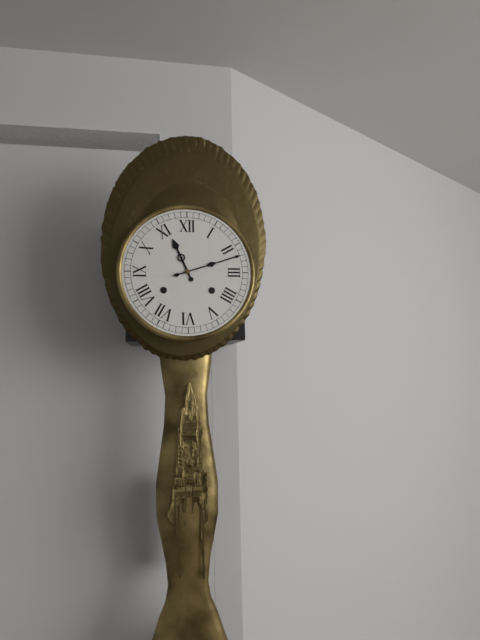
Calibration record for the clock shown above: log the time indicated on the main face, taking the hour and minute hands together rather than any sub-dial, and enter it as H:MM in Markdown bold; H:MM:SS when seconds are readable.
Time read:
**11:12**
